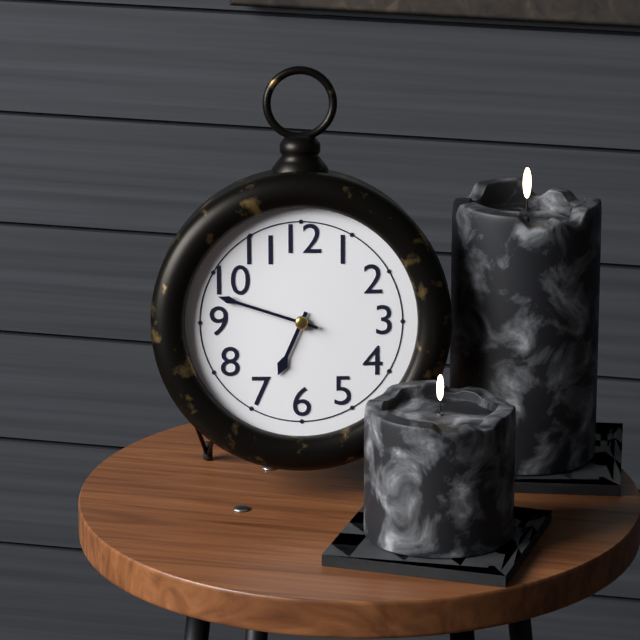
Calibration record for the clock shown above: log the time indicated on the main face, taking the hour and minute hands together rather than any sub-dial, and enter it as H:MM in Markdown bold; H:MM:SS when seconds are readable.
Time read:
**6:48**
